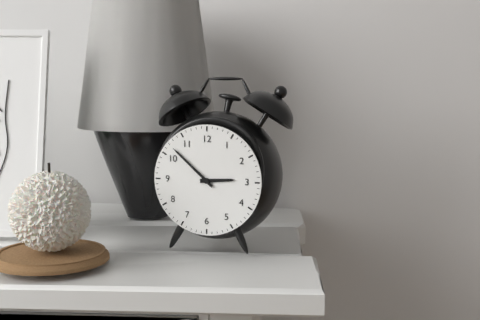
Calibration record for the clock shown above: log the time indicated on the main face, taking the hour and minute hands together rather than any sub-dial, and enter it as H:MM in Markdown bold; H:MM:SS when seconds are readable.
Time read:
**2:52**
